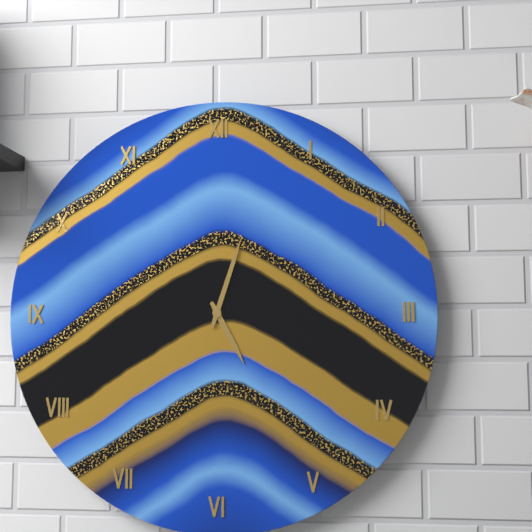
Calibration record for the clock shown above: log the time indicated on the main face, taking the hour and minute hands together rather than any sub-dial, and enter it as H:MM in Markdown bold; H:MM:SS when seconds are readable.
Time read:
**5:03**
